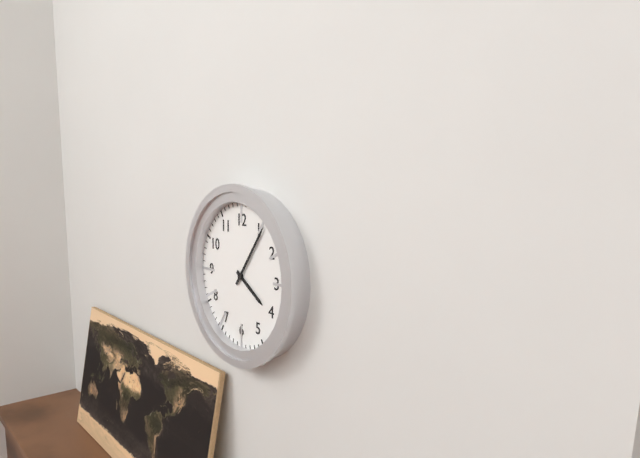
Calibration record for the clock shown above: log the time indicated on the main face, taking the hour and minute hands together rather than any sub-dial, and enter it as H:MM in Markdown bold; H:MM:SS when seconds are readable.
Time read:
**4:06**
